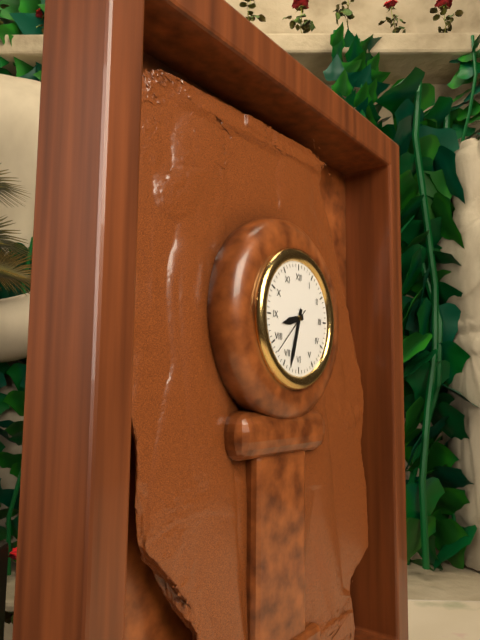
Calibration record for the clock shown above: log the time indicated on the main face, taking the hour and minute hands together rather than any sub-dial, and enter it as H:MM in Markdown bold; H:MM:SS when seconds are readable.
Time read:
**8:33**
